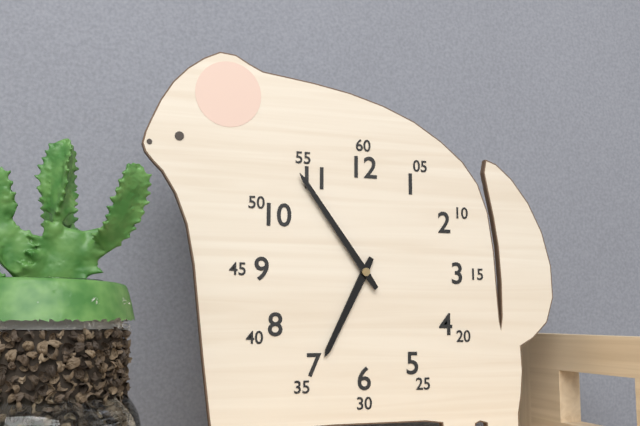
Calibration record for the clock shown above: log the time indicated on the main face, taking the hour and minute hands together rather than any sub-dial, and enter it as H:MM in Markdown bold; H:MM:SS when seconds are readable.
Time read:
**6:54**
